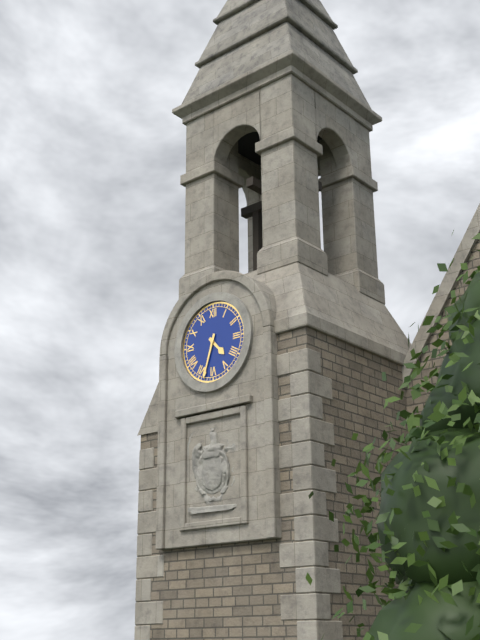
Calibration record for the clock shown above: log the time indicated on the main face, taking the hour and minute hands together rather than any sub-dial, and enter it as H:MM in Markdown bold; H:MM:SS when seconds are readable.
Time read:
**4:33**
